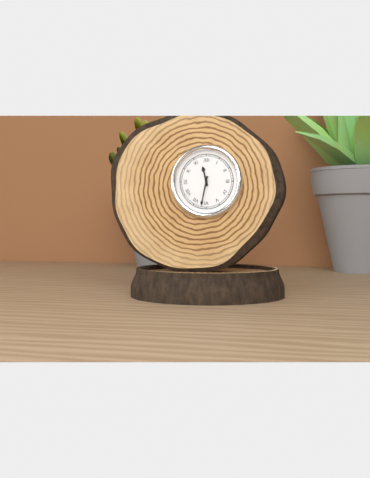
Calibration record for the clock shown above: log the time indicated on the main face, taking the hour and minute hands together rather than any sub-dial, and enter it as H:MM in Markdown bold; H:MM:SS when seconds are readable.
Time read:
**11:32**
